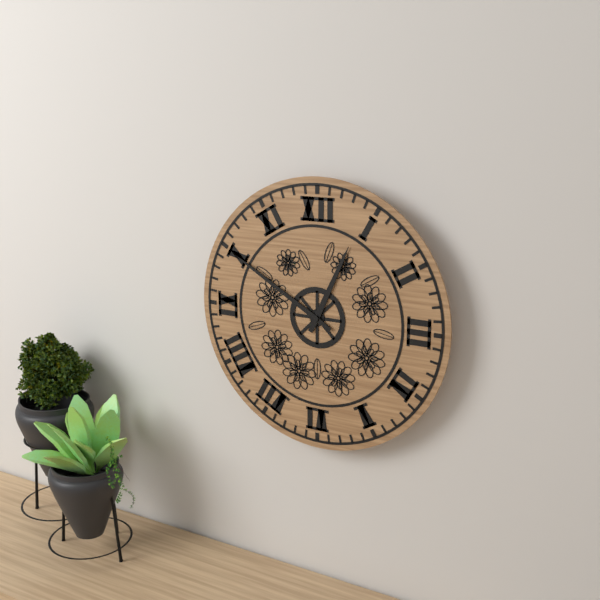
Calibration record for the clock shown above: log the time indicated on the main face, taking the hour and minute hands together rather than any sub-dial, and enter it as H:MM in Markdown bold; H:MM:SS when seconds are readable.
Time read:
**12:50**
